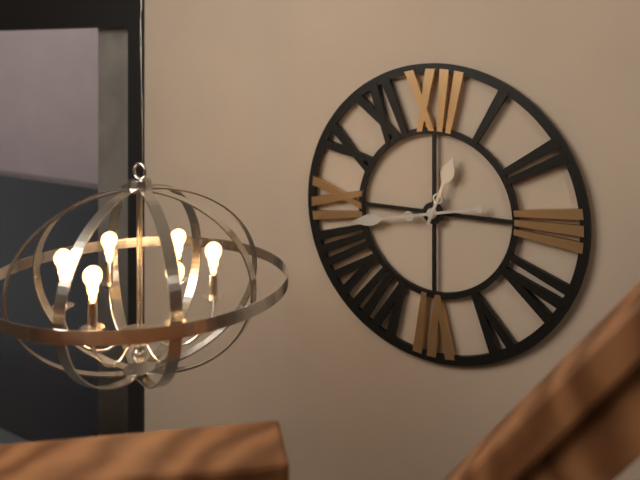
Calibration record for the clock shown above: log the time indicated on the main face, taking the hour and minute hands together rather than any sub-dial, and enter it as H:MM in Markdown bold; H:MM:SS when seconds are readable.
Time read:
**12:43**
